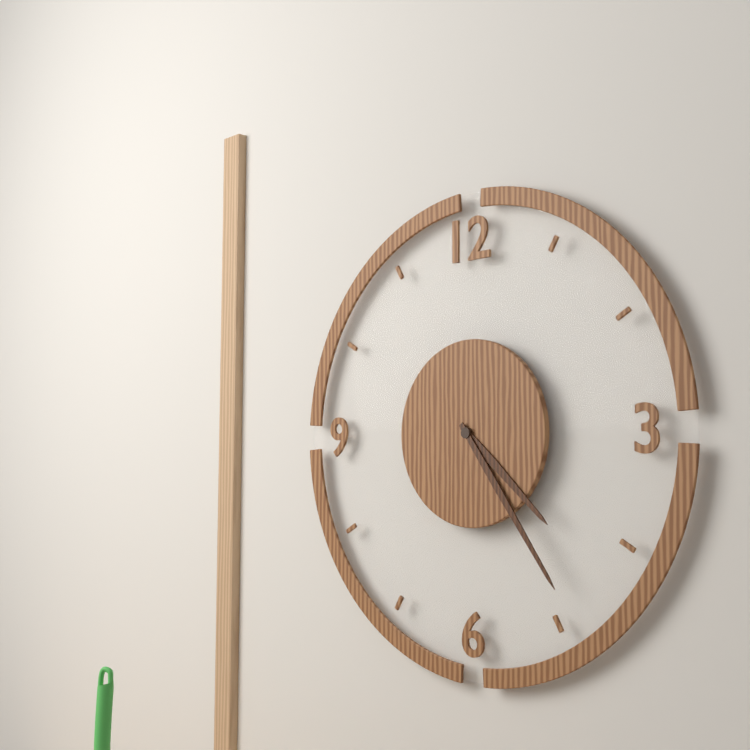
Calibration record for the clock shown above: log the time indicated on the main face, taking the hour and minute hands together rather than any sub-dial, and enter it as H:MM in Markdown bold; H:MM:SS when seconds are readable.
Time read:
**4:24**
